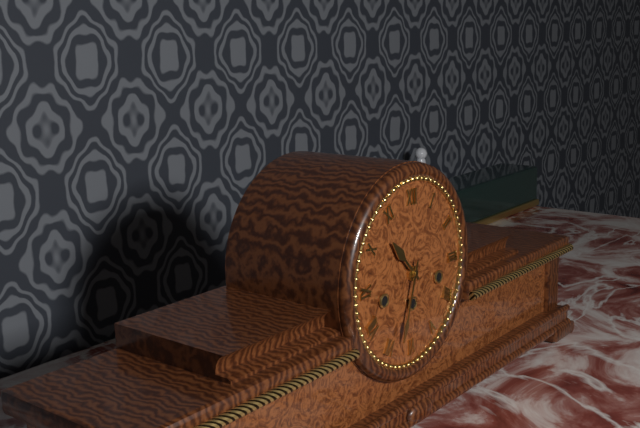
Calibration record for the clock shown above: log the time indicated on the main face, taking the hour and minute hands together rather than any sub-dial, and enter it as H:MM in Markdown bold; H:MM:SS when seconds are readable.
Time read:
**10:33**
